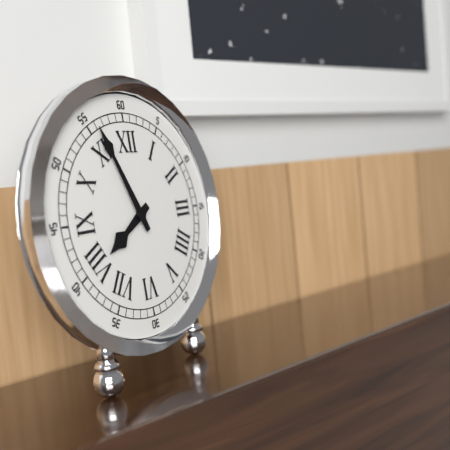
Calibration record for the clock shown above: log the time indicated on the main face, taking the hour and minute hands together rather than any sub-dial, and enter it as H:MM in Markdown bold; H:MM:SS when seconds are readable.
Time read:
**7:56**
